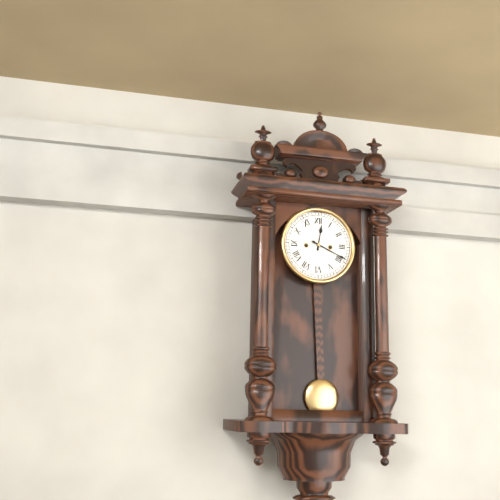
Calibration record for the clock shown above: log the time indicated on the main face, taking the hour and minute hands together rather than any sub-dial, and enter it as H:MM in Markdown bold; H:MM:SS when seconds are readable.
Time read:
**12:19**
